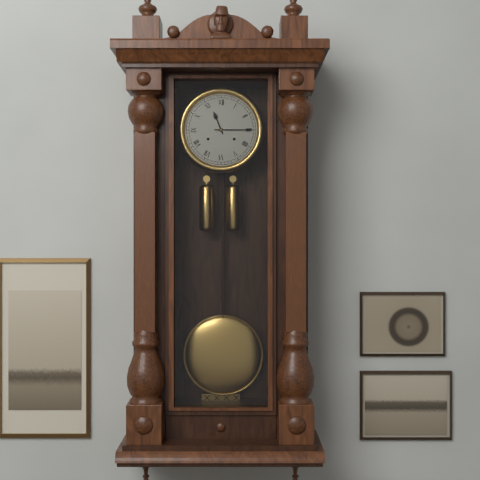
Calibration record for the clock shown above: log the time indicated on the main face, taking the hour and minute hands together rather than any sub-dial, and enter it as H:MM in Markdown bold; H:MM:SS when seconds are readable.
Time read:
**11:15**
